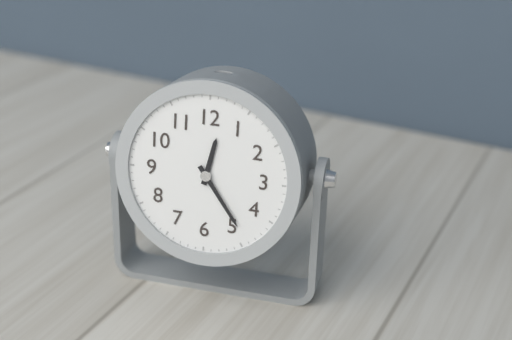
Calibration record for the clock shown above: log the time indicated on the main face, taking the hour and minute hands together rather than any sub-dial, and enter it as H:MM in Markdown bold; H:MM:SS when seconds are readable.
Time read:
**12:24**
